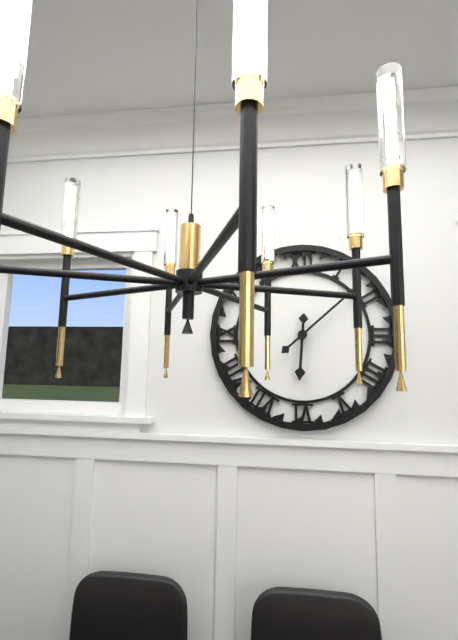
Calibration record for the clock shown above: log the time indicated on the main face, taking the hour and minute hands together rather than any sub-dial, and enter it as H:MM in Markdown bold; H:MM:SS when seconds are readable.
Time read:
**6:08**
